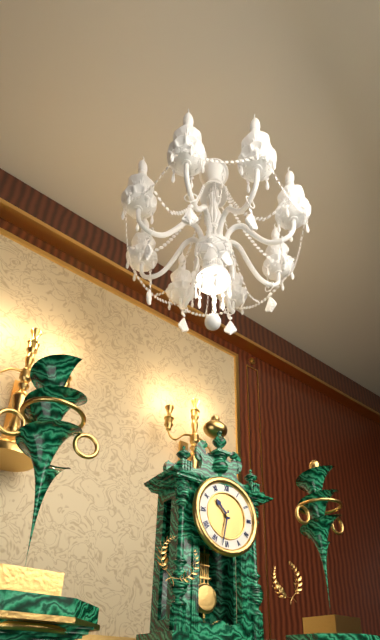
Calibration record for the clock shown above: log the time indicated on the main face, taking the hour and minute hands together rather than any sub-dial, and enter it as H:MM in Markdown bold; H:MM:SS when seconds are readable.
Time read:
**10:32**
